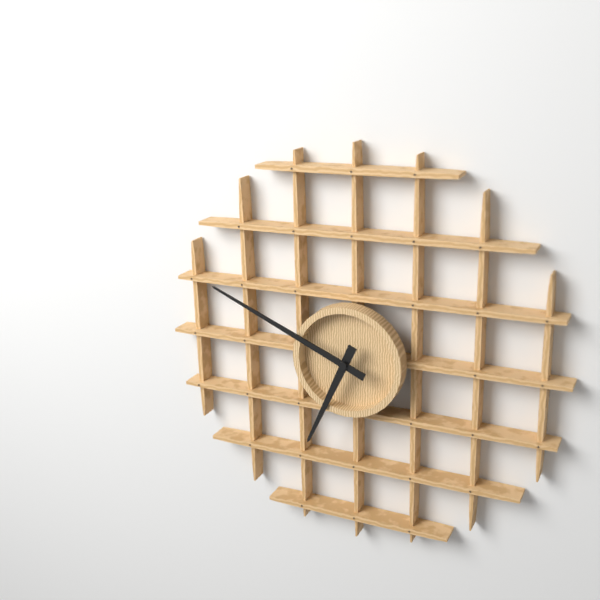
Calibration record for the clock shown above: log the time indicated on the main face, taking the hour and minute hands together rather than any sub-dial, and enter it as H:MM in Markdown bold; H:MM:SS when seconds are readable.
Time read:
**6:49**
